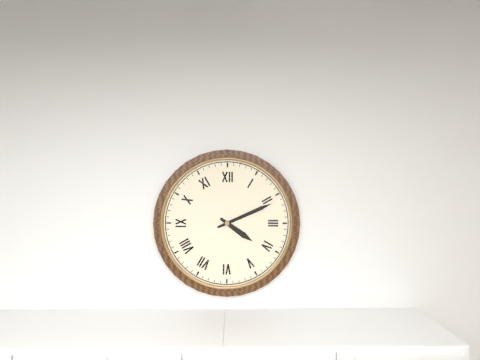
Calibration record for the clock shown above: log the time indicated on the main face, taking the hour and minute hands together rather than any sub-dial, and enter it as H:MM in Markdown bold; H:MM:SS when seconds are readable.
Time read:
**4:11**
